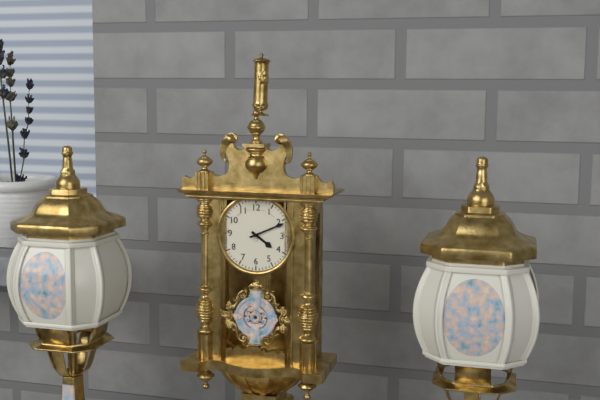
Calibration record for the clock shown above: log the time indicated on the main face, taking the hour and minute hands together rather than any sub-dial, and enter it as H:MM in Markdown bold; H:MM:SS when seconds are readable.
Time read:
**4:11**
